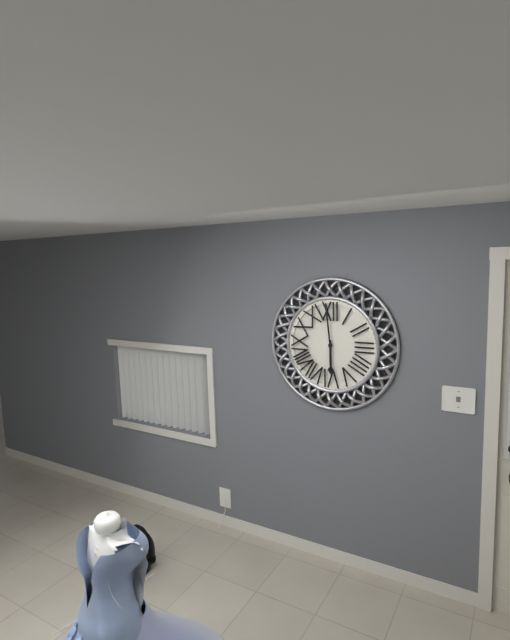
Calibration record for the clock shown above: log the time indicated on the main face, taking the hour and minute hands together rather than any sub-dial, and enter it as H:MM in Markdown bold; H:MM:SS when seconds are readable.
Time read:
**5:59**
